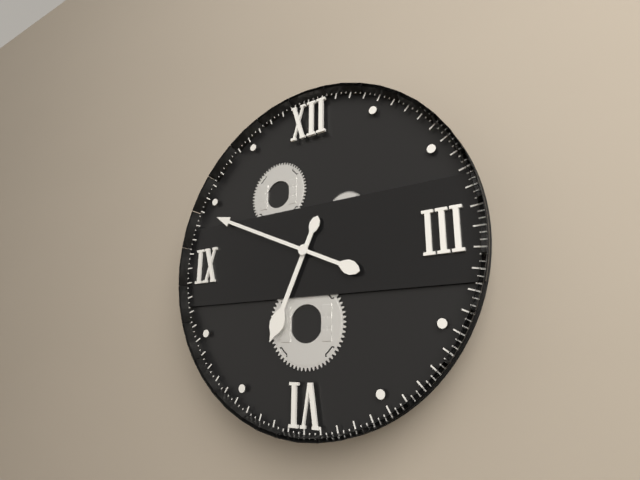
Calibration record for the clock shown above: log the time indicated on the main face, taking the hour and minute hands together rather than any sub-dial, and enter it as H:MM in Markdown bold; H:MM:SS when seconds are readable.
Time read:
**6:49**
